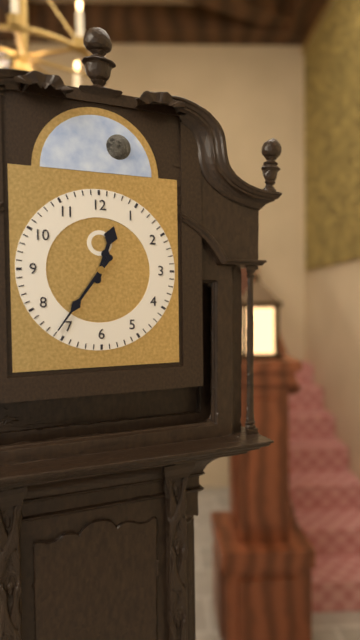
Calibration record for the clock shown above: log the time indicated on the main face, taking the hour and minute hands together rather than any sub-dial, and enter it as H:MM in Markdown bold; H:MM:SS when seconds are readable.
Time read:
**12:36**
